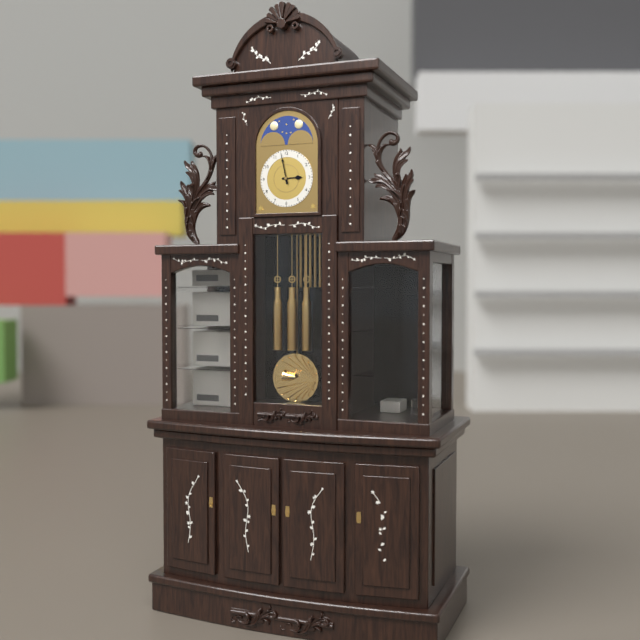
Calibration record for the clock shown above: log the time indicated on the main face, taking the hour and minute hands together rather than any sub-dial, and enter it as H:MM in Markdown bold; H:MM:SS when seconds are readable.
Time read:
**2:58**
